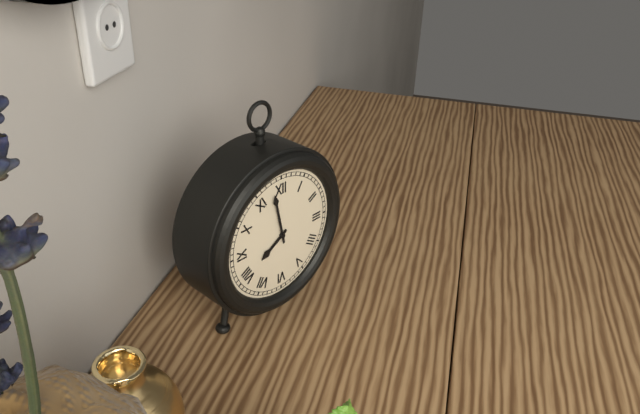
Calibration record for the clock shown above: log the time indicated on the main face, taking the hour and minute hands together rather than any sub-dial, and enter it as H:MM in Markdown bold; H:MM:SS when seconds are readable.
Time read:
**7:58**
